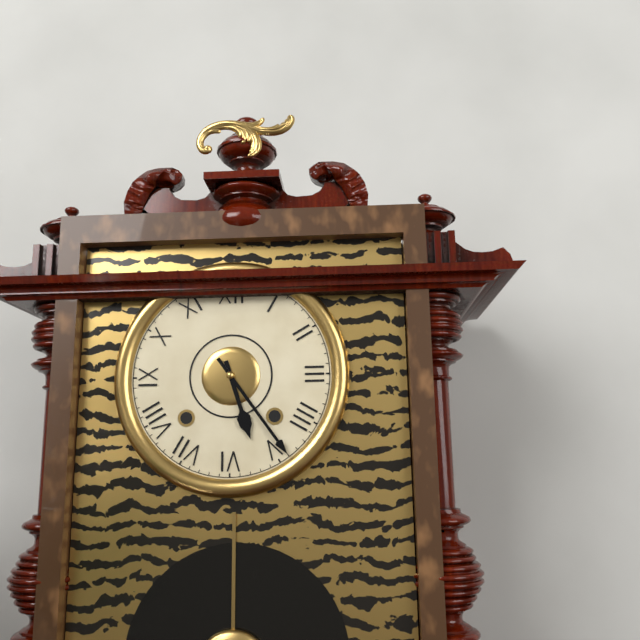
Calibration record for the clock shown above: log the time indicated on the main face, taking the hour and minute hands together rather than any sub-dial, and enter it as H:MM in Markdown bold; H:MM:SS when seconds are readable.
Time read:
**5:24**
